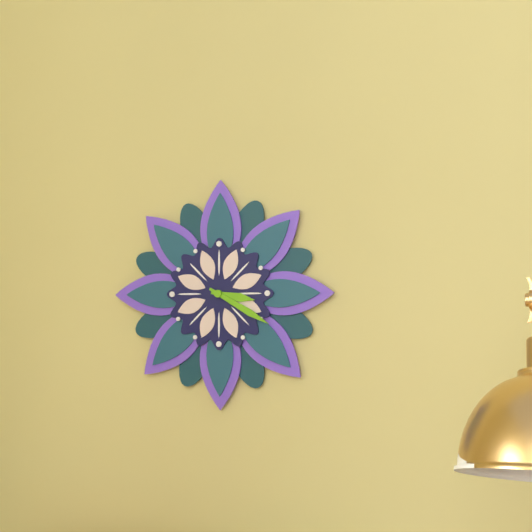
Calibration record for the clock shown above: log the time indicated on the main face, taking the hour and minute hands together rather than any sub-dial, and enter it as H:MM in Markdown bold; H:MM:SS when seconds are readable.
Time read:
**3:20**
